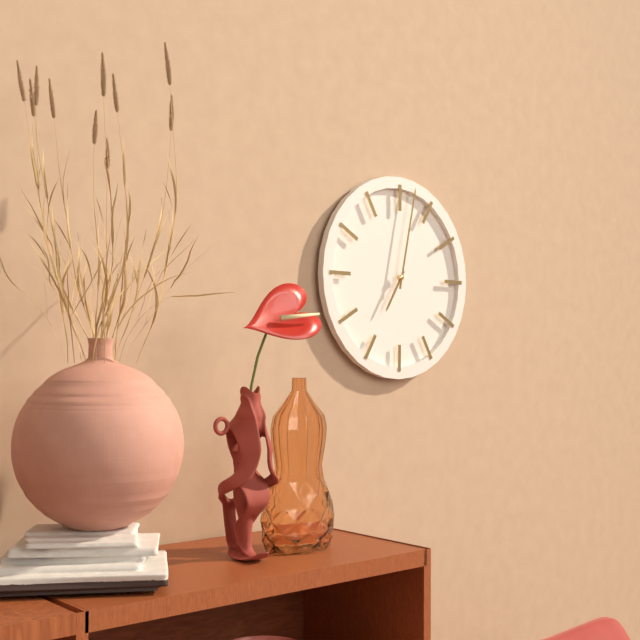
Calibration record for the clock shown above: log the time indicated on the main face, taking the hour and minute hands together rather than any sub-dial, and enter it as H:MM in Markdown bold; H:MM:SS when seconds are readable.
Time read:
**7:02**
